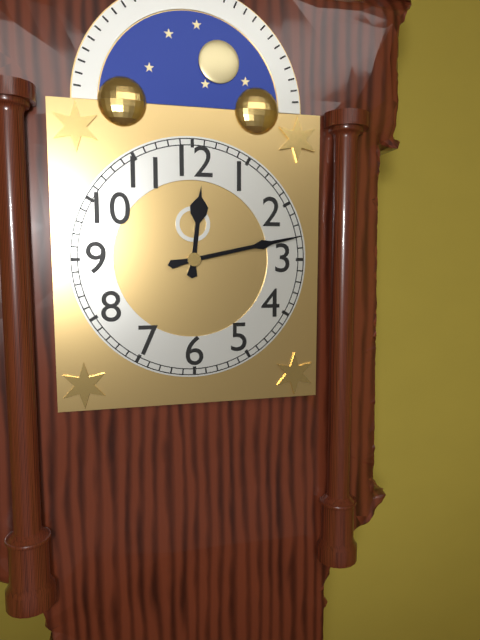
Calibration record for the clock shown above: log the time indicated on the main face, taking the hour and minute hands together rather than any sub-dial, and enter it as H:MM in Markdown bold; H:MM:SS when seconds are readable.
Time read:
**12:13**
